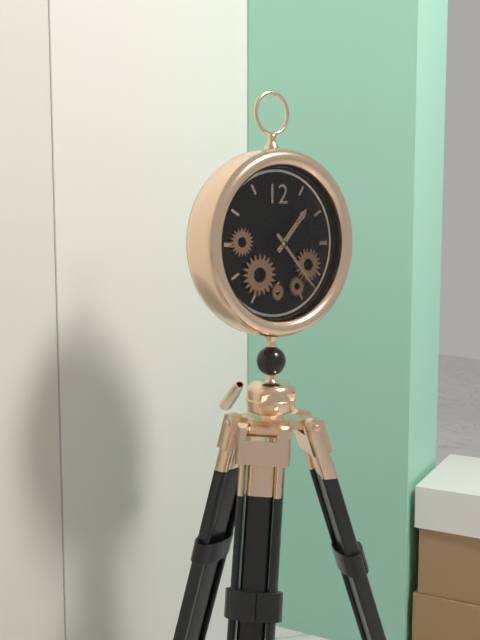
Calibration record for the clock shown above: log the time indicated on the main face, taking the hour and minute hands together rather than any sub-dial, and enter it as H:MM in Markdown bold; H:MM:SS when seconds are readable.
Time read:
**1:23**
